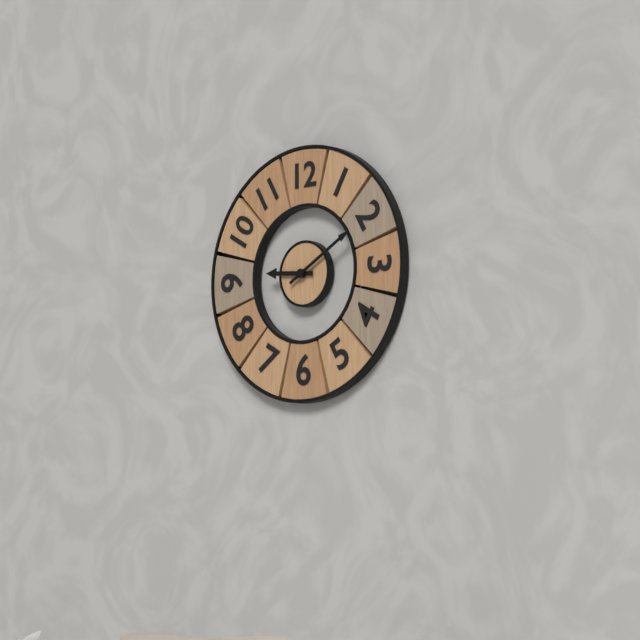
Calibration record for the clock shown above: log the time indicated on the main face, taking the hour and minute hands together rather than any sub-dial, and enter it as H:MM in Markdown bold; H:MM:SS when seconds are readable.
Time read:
**9:10**
